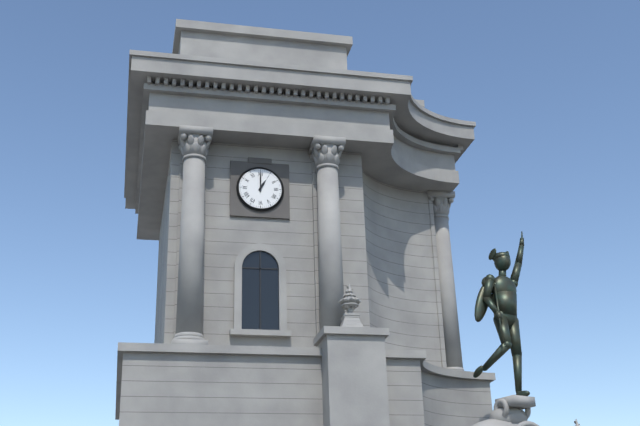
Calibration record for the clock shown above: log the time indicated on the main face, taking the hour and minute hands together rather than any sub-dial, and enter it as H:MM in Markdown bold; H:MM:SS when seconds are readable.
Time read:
**1:00**
